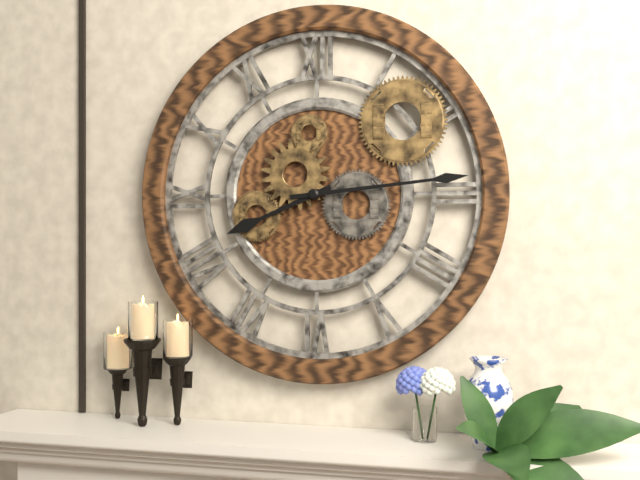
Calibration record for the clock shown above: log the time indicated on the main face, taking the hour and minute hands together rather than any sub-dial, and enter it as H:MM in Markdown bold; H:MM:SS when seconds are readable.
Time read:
**8:14**
